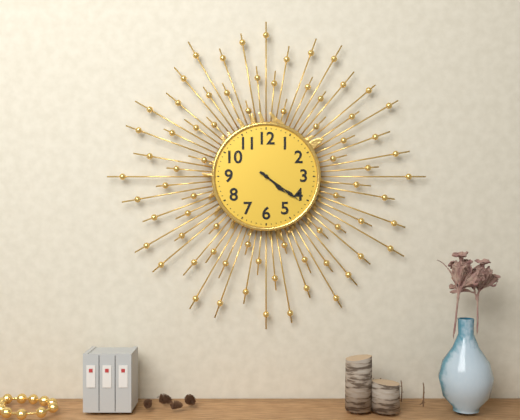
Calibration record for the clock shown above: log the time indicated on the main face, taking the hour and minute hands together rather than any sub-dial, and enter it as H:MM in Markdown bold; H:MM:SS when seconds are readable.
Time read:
**4:21**
